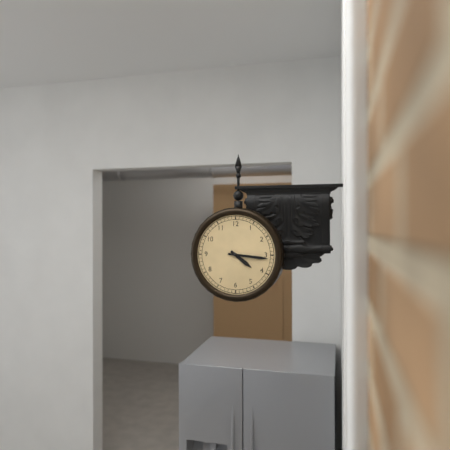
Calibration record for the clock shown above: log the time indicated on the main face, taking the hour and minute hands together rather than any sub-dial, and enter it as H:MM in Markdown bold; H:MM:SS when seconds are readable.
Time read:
**4:16**
